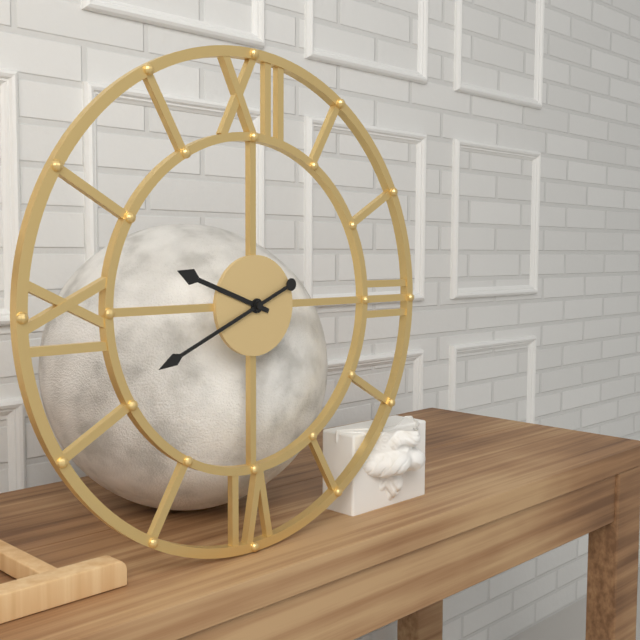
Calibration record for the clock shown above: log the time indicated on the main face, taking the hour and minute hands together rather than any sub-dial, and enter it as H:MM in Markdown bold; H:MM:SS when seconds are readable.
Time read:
**9:41**
